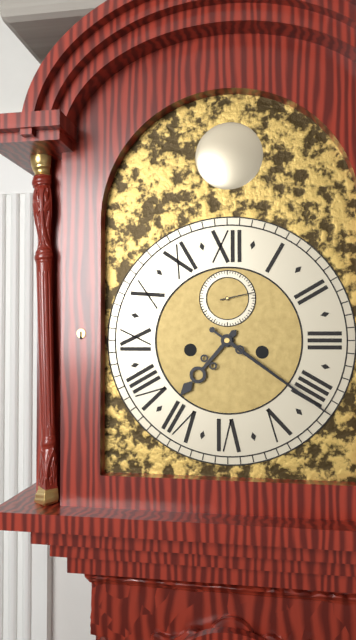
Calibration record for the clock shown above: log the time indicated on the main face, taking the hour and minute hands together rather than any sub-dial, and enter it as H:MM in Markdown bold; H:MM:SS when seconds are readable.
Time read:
**7:21**
